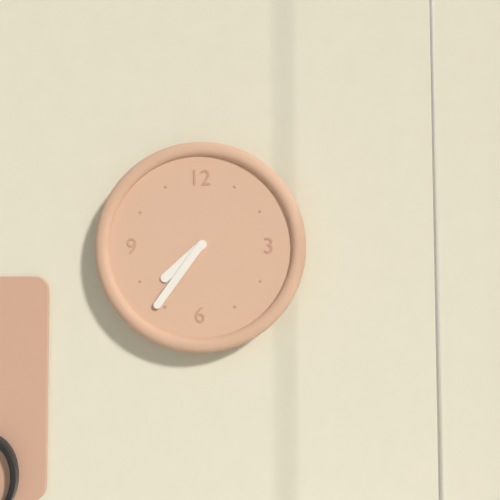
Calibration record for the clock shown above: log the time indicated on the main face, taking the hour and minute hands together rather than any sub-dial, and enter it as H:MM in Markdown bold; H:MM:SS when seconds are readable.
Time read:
**7:36**
